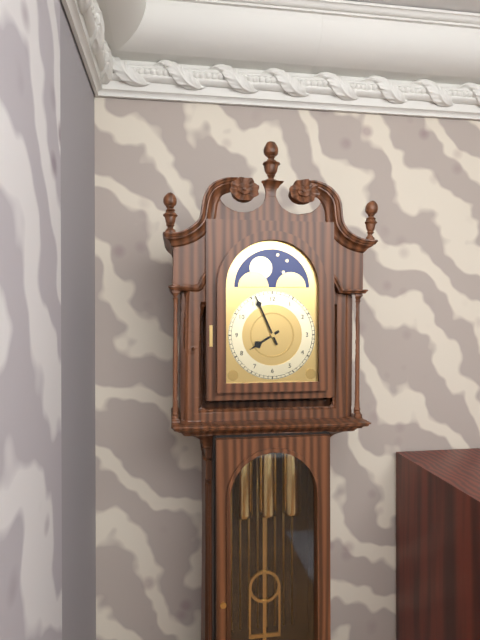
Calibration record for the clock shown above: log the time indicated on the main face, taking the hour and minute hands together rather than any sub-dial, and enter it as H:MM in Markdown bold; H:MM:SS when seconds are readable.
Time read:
**7:56**
